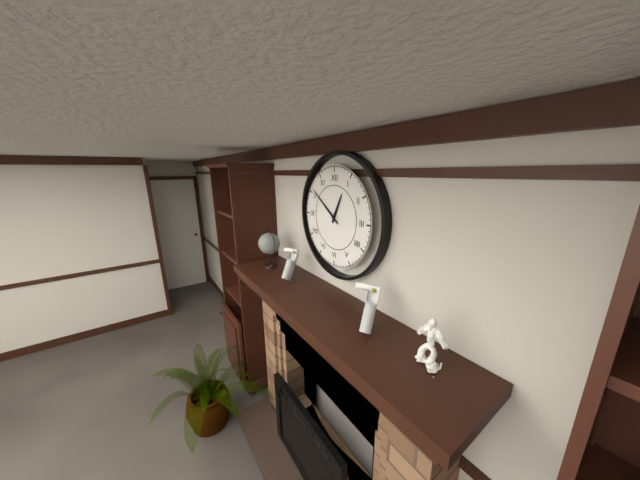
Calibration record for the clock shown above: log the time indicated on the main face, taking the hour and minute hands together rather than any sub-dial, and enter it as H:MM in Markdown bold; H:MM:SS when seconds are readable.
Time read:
**12:51**
